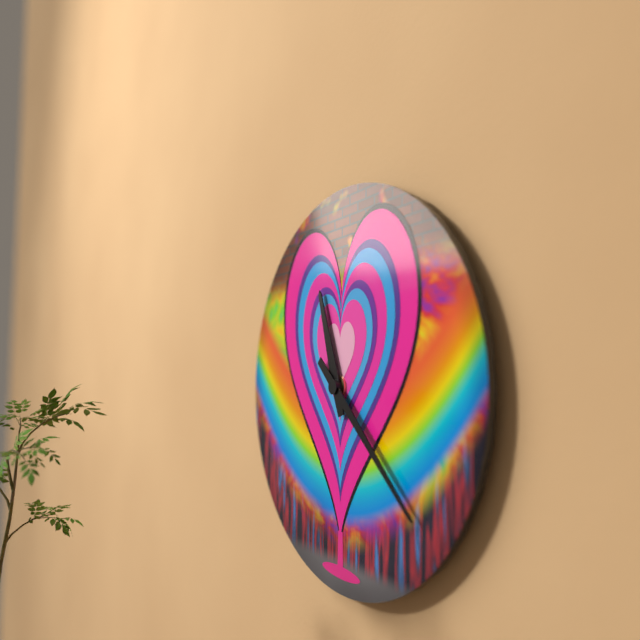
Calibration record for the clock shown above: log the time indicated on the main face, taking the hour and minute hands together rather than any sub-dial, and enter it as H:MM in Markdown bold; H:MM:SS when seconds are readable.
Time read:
**11:22**
